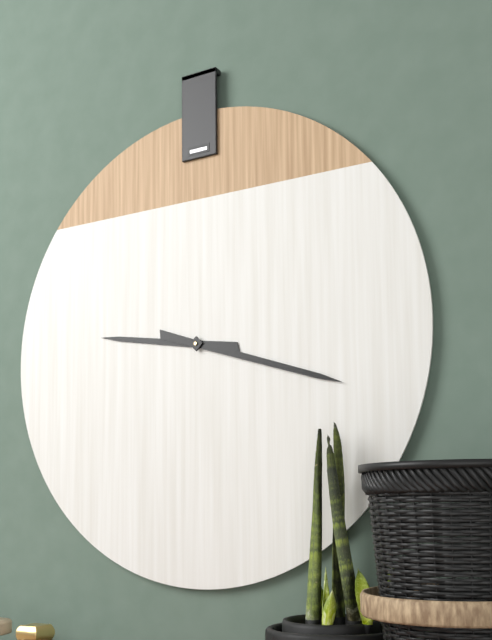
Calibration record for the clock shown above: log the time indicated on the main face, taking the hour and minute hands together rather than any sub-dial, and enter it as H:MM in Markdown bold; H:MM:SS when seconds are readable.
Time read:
**9:18**
